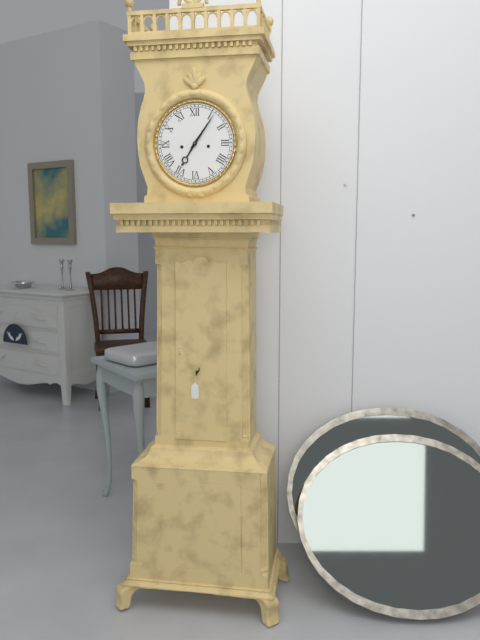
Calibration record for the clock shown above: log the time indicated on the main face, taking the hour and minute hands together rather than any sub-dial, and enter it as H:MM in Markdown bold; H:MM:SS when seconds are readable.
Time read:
**7:06**
